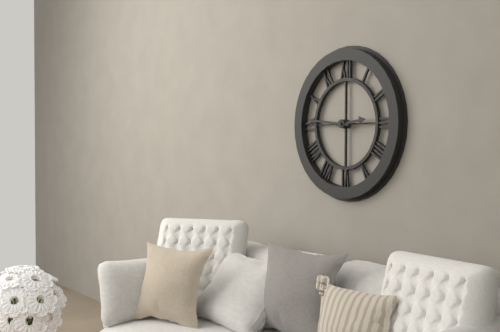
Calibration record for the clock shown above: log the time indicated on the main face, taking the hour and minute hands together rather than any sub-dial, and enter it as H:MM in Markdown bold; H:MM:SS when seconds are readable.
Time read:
**2:46**
